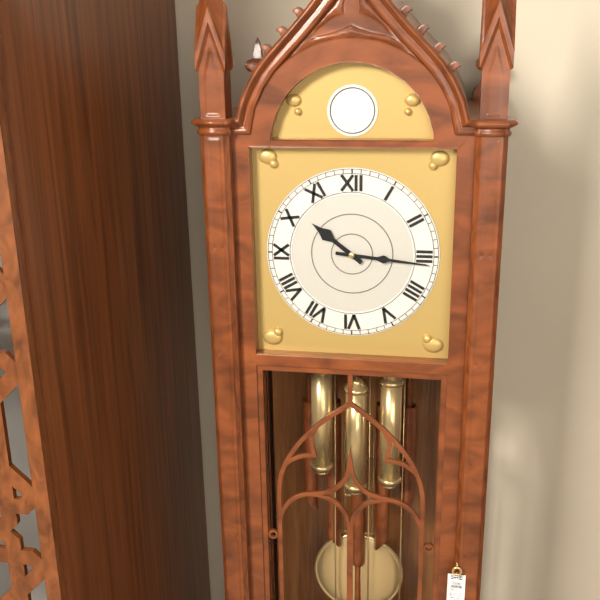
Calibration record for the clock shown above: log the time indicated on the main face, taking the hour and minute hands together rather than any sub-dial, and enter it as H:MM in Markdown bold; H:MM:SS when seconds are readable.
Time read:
**10:16**
